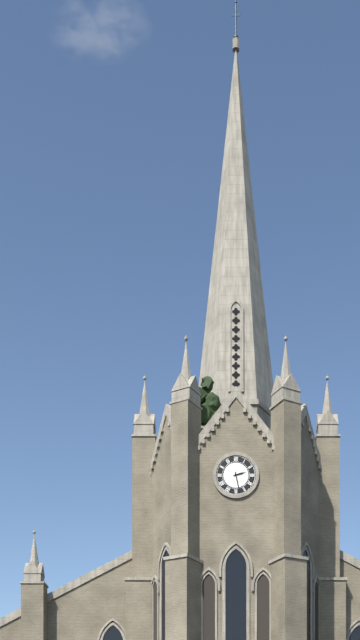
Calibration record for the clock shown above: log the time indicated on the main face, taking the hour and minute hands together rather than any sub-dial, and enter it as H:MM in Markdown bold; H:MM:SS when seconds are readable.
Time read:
**2:28**
